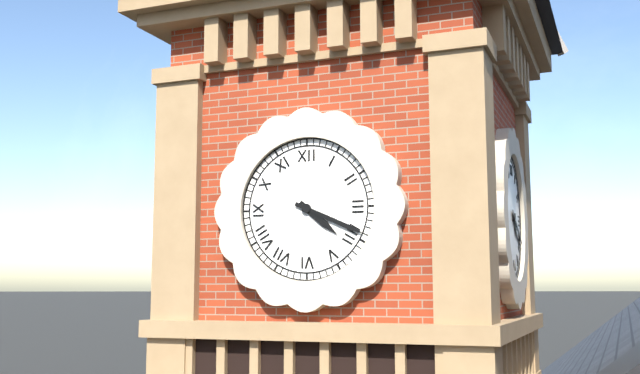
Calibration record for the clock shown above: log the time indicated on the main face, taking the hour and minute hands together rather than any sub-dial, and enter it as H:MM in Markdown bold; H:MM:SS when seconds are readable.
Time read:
**4:19**
